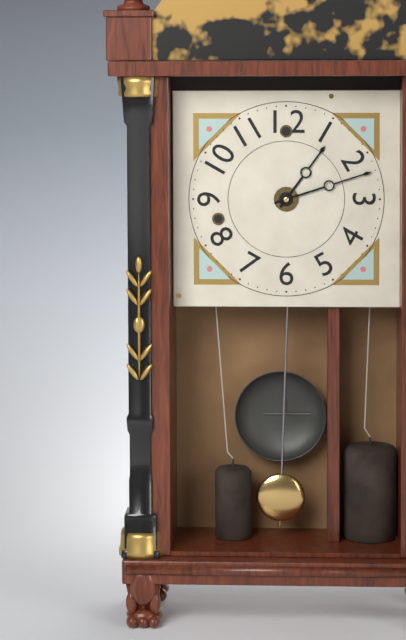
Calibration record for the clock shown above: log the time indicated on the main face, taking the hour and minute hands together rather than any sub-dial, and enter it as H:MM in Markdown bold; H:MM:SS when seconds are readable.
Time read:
**1:12**
